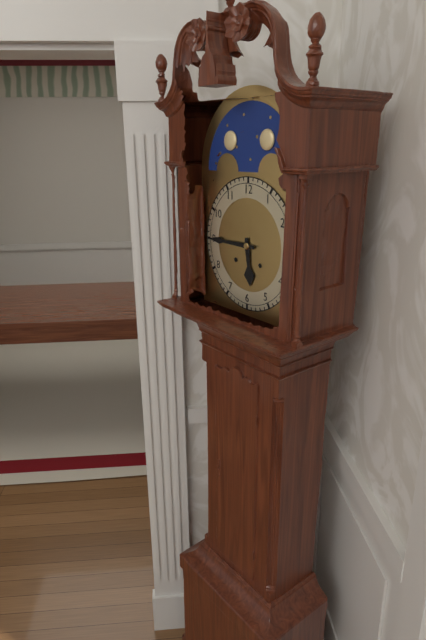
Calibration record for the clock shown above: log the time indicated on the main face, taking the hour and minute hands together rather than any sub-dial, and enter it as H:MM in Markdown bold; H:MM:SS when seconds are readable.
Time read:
**5:45**
